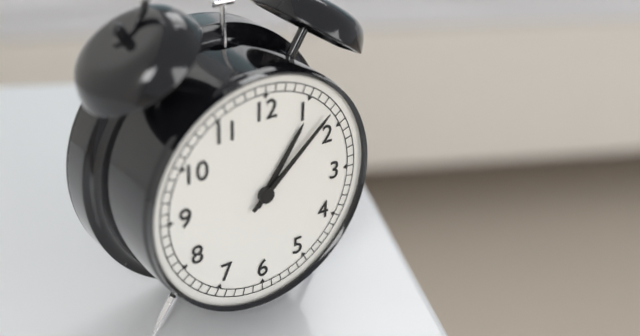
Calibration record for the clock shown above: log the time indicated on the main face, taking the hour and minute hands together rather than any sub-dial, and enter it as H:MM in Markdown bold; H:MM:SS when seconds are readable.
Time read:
**1:08**
